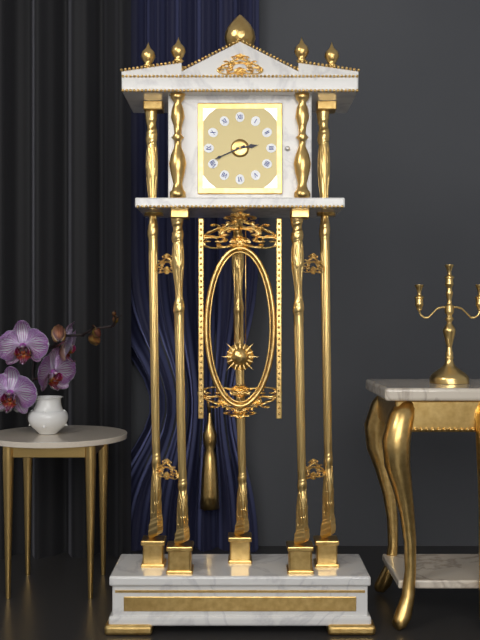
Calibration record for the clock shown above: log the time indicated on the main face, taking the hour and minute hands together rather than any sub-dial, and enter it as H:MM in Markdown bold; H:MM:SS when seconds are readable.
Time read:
**2:41**
